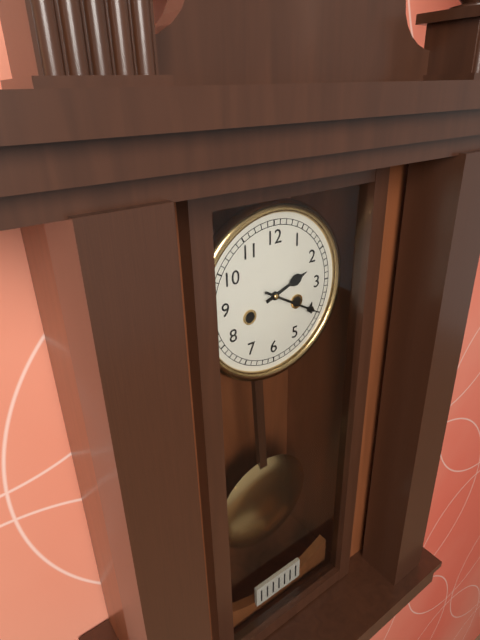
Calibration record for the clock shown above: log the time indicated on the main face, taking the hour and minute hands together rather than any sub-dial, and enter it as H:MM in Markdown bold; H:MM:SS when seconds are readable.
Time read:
**2:20**
